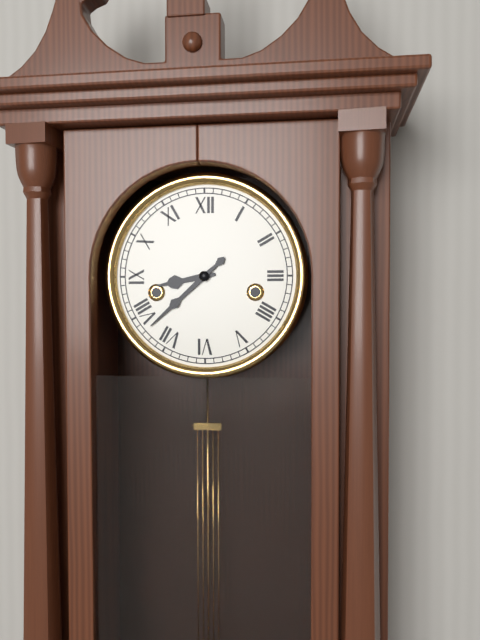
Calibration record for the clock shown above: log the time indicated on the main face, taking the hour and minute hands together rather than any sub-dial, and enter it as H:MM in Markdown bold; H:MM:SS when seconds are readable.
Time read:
**8:38**
